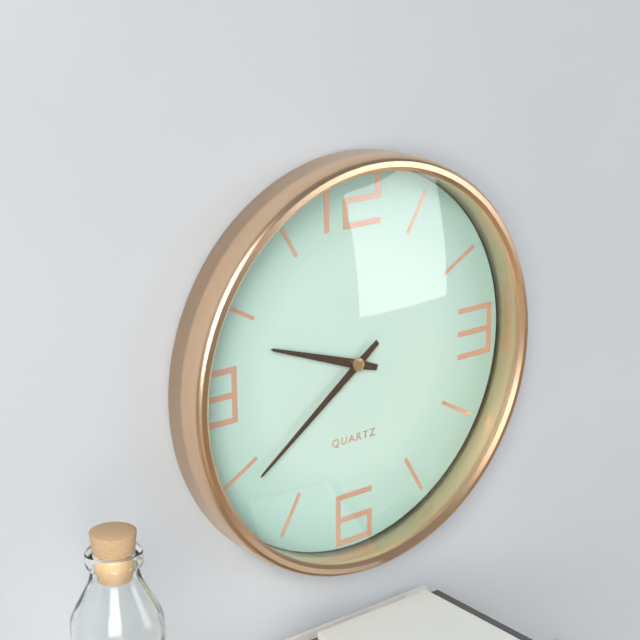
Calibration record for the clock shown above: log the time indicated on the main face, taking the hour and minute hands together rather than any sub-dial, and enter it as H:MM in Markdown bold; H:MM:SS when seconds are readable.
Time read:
**9:39**
